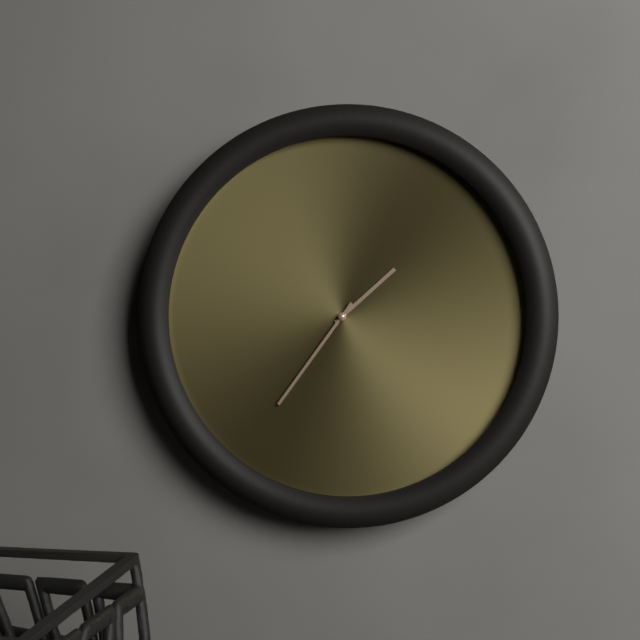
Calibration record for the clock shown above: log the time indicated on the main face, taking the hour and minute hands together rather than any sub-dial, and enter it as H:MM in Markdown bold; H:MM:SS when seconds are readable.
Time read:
**1:36**
